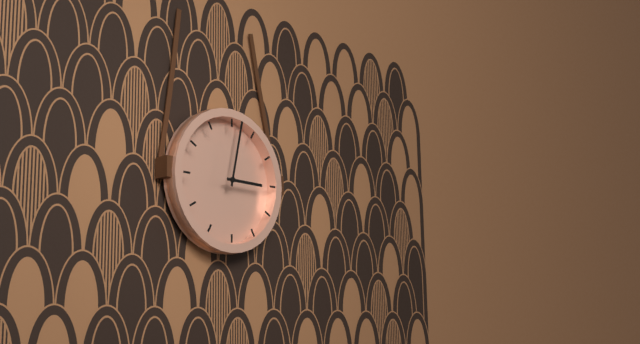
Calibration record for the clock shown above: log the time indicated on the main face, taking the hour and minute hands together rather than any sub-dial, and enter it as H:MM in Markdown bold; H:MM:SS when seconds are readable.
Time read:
**3:02**
